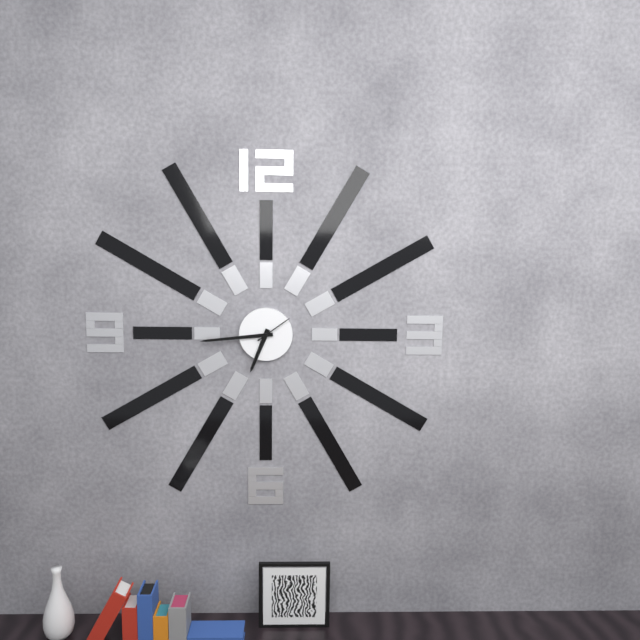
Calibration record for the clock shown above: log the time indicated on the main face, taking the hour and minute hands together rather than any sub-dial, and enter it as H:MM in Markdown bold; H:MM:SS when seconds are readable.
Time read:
**6:44**
